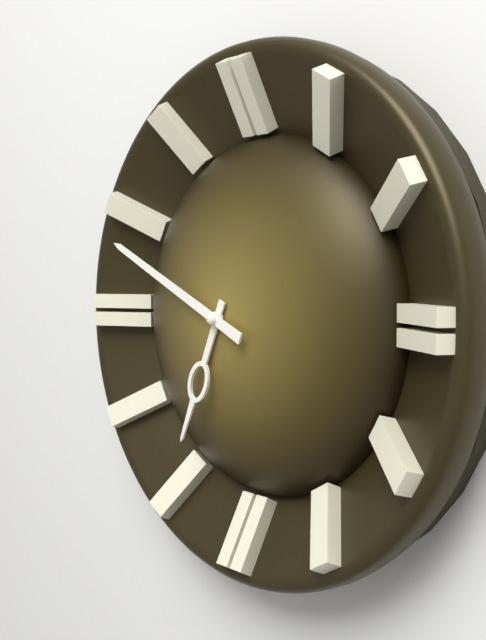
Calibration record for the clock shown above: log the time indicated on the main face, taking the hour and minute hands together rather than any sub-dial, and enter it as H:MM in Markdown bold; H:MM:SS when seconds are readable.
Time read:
**6:49**
